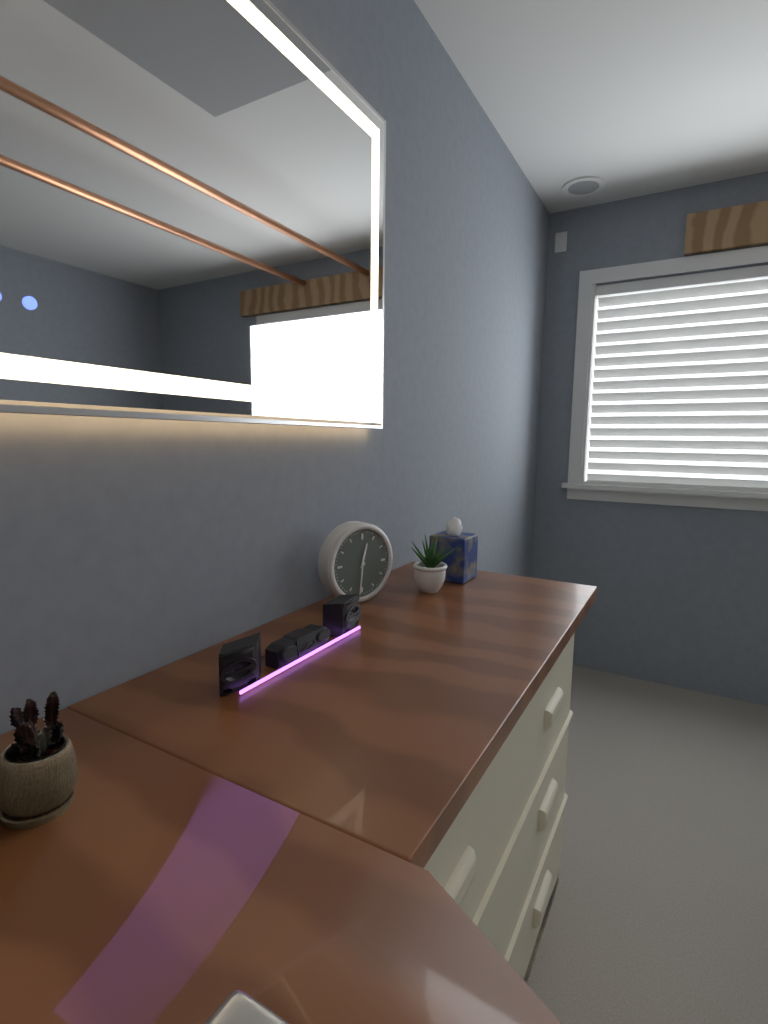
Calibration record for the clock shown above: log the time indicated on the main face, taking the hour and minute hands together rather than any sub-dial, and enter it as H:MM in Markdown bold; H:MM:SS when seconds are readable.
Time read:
**12:31**
